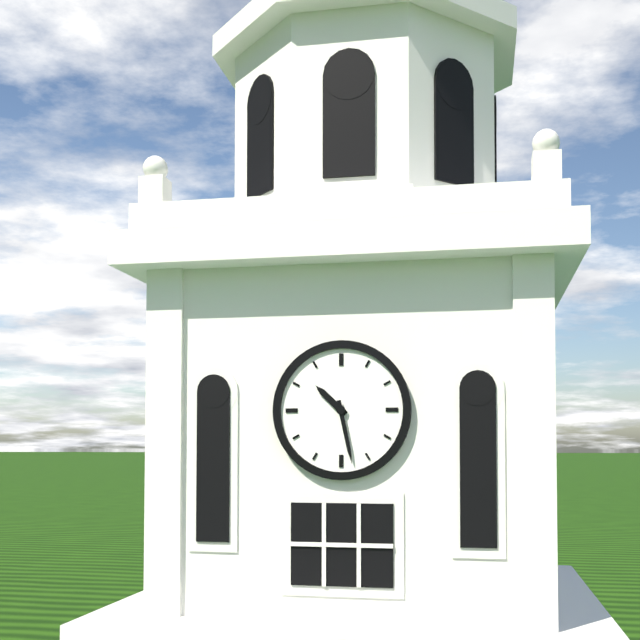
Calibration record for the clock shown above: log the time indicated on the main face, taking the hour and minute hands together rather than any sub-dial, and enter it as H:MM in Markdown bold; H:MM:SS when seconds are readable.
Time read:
**10:28**
